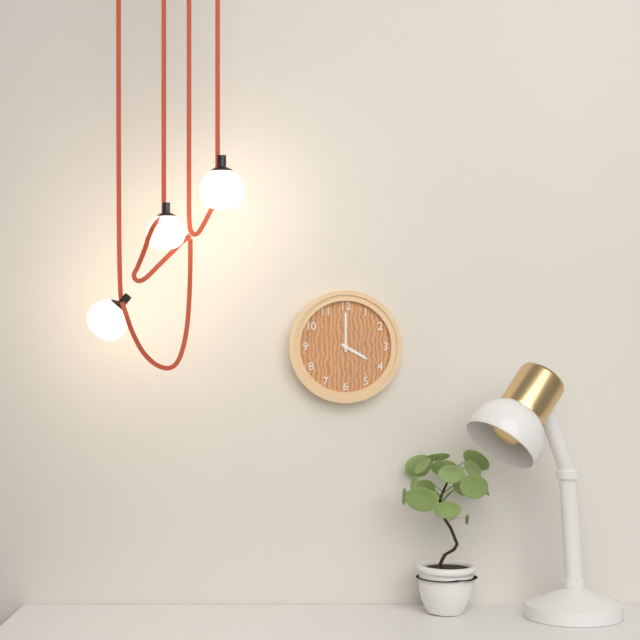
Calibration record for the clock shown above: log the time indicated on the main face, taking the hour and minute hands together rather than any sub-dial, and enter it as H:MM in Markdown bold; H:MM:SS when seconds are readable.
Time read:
**4:00**
